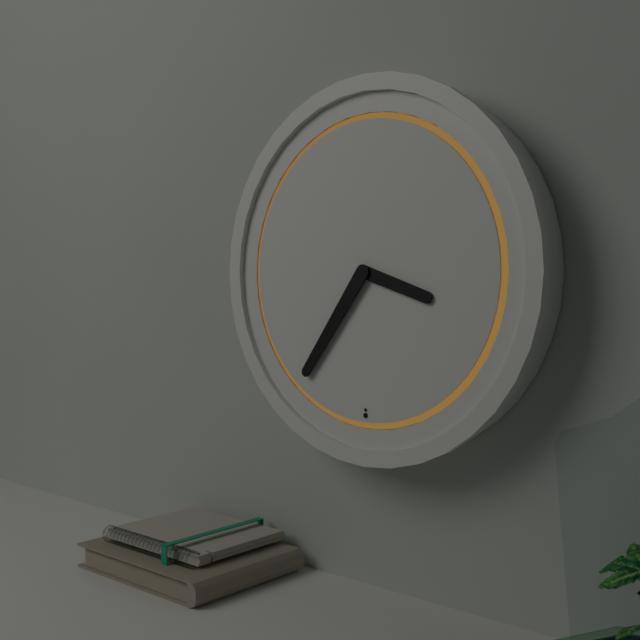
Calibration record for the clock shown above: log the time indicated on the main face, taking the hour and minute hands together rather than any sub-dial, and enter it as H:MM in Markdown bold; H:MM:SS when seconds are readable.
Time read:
**3:36**
